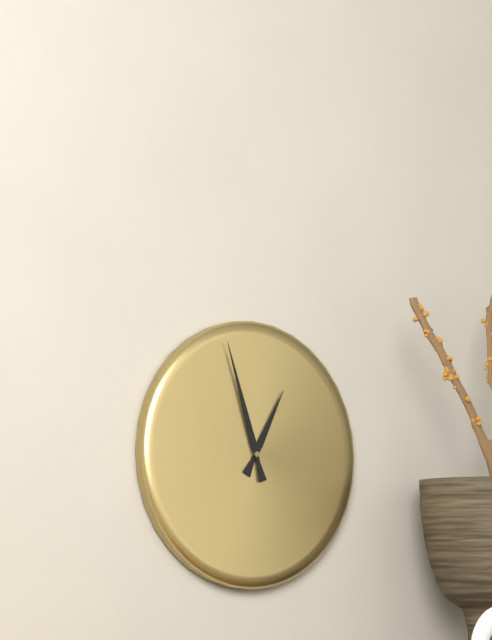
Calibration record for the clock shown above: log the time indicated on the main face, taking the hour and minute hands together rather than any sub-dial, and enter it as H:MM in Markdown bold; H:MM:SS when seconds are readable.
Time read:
**12:57**
